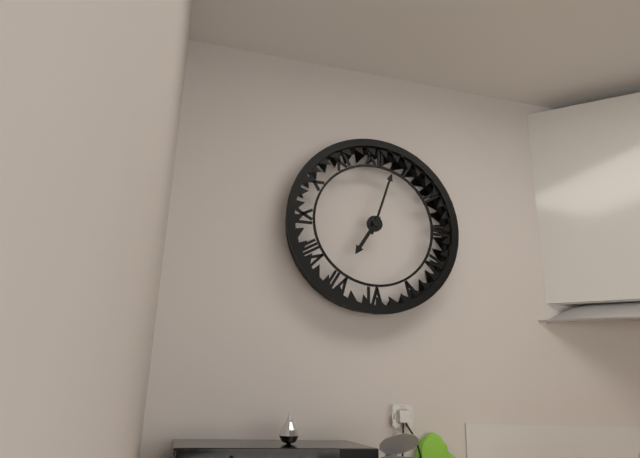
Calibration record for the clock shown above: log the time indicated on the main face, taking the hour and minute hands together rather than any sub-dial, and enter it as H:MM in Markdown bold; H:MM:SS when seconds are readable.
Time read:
**7:03**
